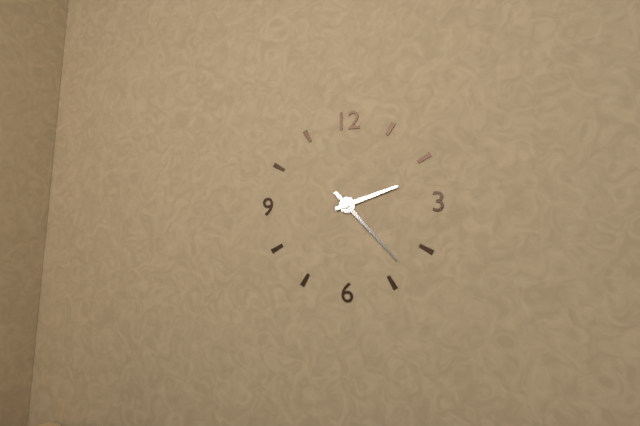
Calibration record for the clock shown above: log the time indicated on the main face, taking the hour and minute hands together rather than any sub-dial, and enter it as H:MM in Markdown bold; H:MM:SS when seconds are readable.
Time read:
**2:23**
